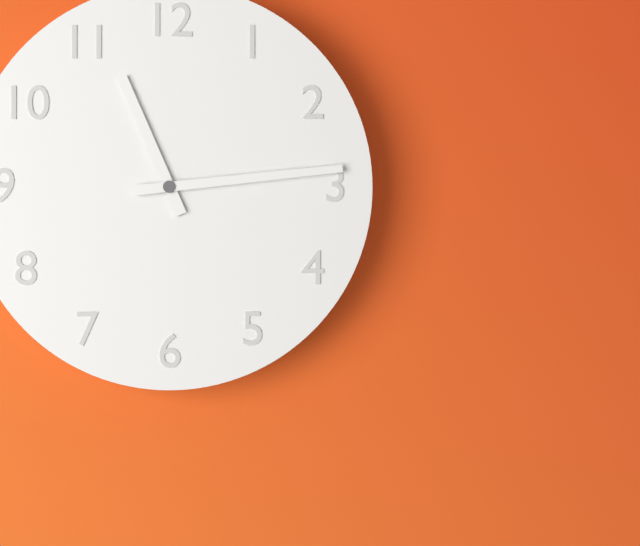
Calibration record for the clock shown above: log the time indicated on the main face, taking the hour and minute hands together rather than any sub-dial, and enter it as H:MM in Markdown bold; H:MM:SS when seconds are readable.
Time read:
**11:14**
